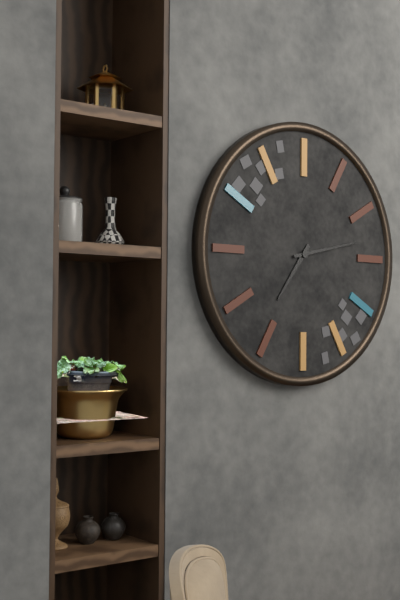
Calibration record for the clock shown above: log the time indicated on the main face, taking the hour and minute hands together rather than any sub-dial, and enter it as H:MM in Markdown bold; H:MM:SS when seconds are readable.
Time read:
**7:13**
